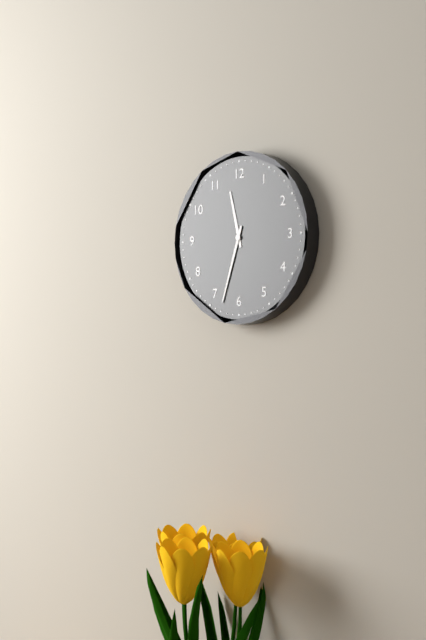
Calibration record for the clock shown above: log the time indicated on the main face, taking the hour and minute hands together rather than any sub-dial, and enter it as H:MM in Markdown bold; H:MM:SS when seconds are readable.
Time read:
**11:33**
